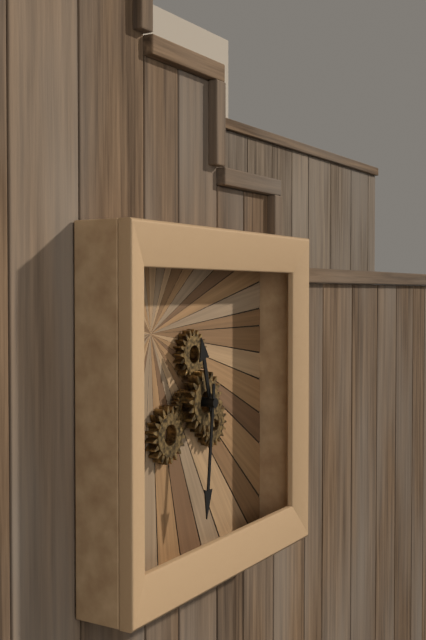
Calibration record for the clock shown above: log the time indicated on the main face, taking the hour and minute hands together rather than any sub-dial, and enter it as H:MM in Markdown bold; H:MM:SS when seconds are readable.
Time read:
**11:31**
